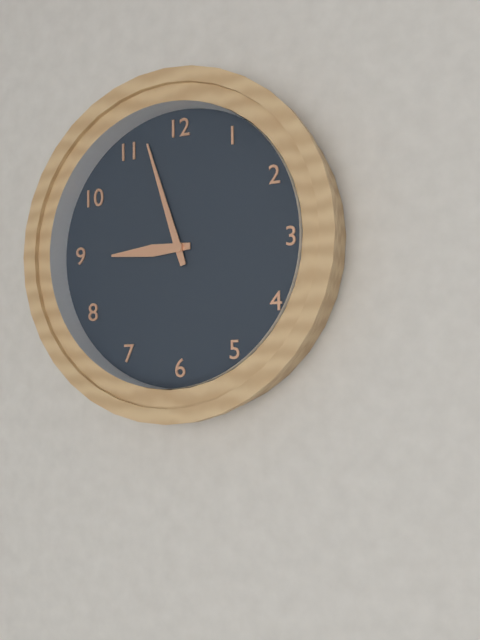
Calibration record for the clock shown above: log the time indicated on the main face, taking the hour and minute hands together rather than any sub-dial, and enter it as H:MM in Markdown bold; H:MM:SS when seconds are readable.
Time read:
**8:57**
